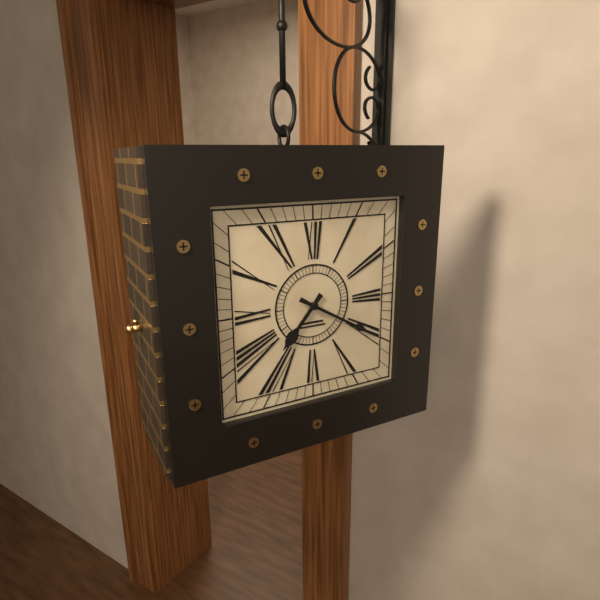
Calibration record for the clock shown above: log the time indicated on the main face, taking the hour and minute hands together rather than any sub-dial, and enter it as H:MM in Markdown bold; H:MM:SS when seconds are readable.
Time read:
**7:20**
